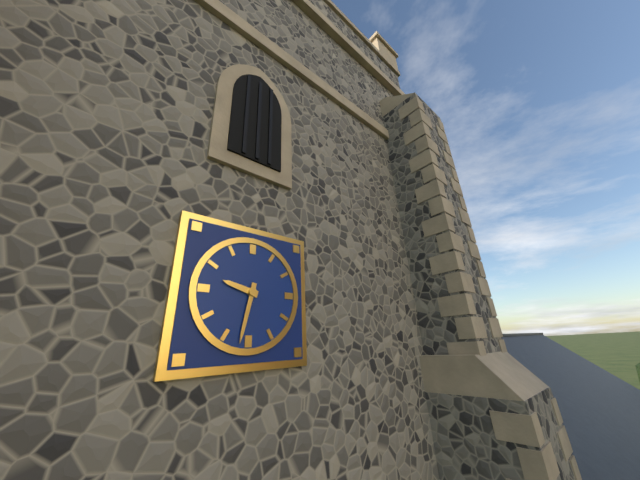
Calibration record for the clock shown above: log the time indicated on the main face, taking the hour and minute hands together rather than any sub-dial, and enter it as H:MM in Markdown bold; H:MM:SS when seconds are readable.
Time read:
**9:32**
